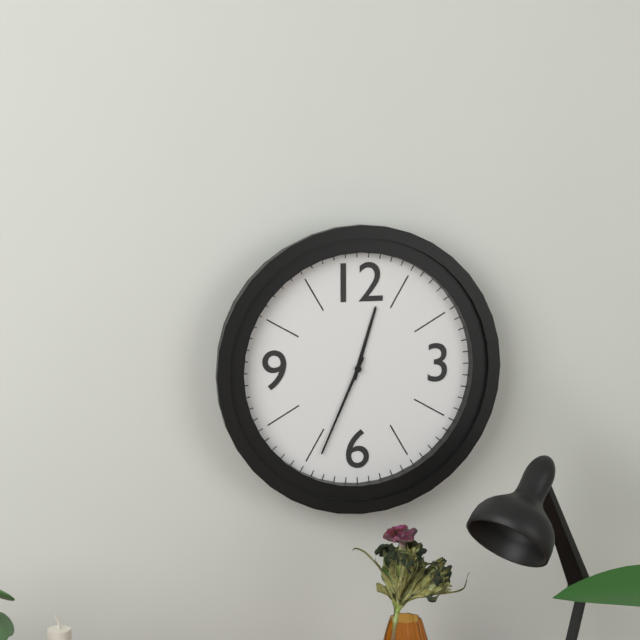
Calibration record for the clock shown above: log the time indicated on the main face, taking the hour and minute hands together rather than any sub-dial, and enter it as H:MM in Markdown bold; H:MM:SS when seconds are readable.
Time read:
**12:34**
